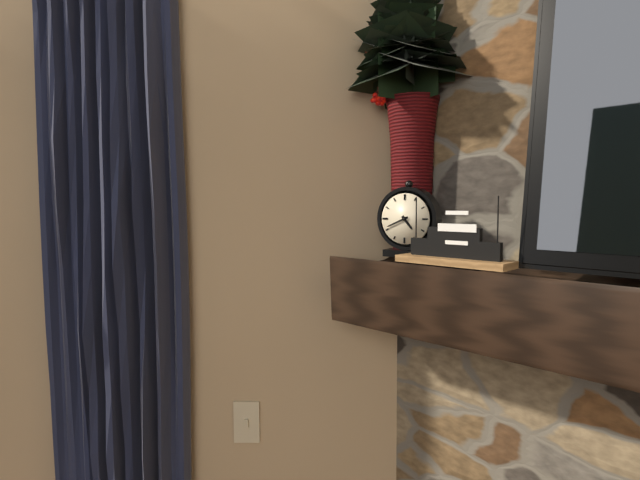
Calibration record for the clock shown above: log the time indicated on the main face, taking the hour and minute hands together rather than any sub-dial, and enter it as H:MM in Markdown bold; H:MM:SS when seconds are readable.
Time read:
**4:41**
